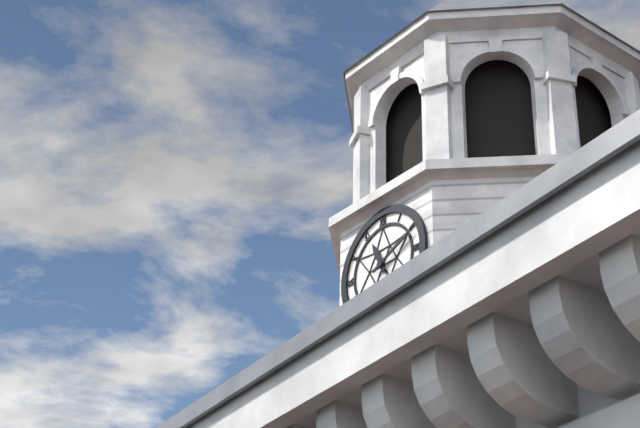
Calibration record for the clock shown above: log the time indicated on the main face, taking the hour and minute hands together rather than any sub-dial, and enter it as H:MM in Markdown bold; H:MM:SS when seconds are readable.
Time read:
**11:11**
